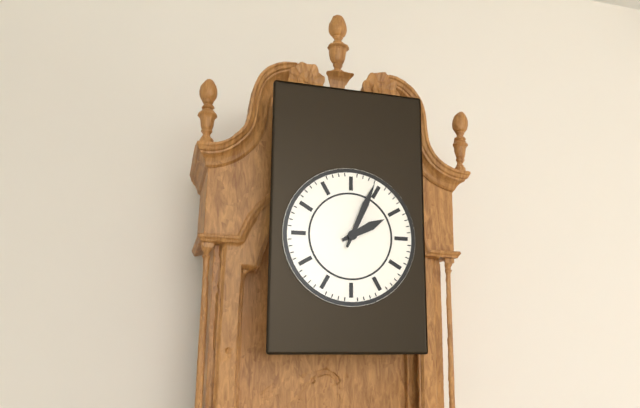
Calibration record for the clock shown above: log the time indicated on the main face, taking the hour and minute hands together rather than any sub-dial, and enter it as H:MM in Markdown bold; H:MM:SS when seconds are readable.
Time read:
**2:04**
